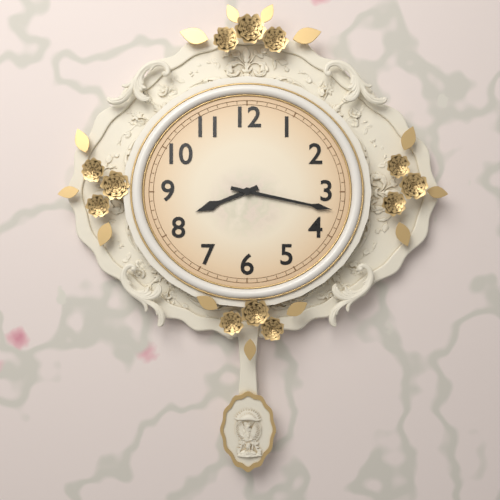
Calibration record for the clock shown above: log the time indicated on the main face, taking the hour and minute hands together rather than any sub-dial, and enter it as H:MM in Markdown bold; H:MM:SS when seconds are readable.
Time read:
**8:17**
